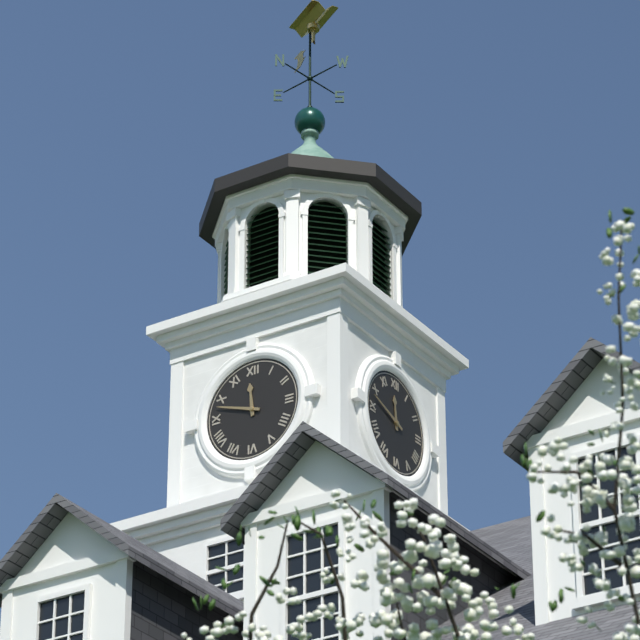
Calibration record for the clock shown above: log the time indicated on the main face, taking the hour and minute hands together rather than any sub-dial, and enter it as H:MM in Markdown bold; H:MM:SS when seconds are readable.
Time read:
**11:48**
